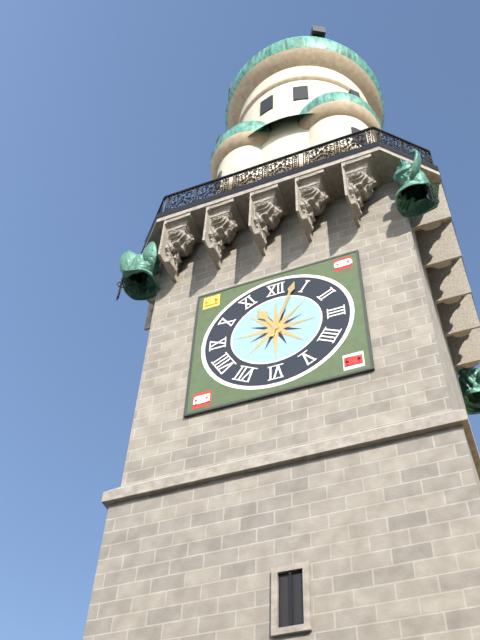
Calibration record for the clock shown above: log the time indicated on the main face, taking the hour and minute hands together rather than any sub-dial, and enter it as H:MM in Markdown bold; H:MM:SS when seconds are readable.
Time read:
**11:03**
